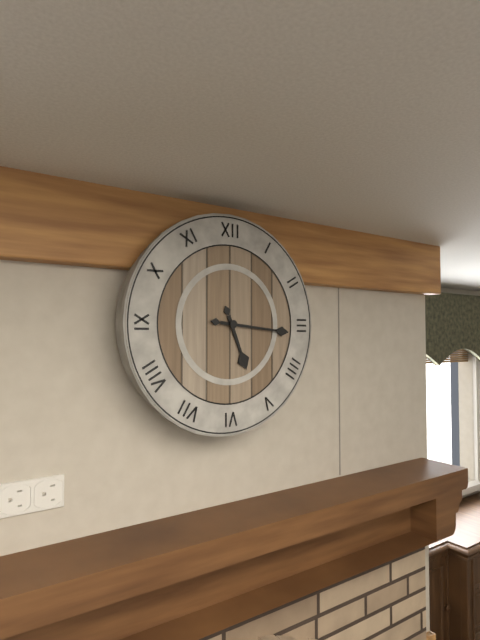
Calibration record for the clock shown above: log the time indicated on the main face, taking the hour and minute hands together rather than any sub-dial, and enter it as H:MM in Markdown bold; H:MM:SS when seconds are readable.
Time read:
**5:16**
